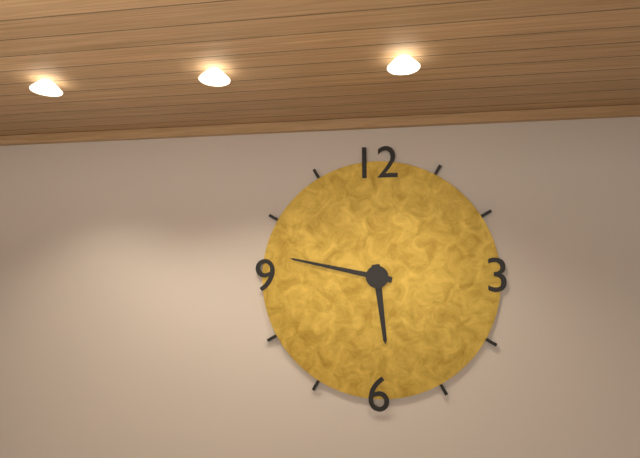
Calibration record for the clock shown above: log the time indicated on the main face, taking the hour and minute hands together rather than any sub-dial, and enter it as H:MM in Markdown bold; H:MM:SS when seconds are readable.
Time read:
**5:47**
